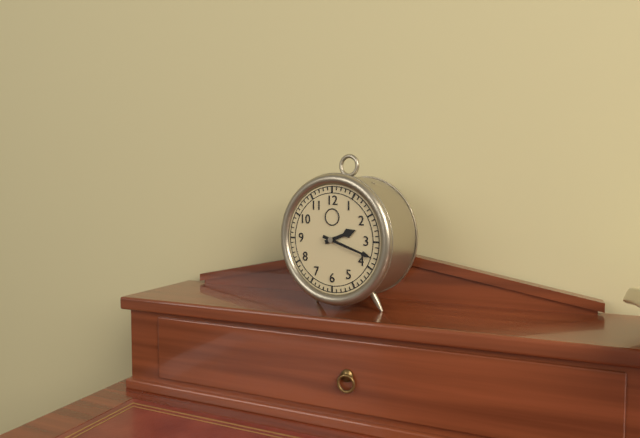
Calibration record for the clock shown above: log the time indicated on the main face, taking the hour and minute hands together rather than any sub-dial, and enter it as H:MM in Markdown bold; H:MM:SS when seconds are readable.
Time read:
**2:18**
